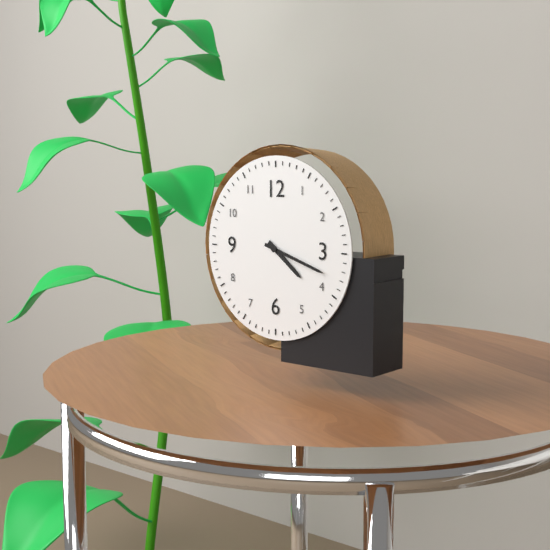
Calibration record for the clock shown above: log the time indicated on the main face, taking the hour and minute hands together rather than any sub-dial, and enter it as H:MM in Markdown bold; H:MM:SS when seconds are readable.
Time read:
**4:18**
